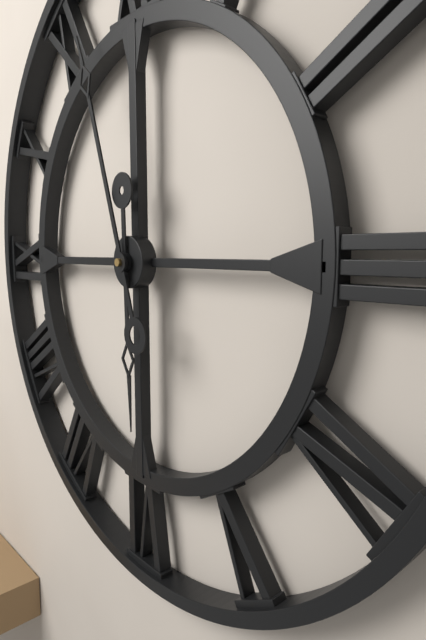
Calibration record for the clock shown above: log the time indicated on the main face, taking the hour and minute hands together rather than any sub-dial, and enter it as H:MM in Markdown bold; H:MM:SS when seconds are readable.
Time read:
**5:57**
